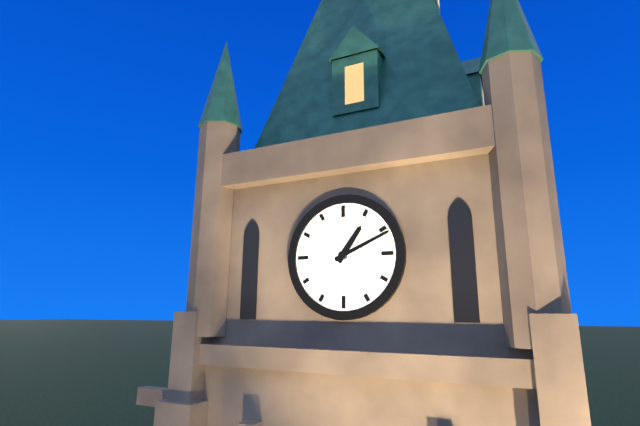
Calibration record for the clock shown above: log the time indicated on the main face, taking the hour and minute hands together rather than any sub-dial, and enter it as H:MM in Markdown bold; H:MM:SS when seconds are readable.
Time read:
**1:11**
